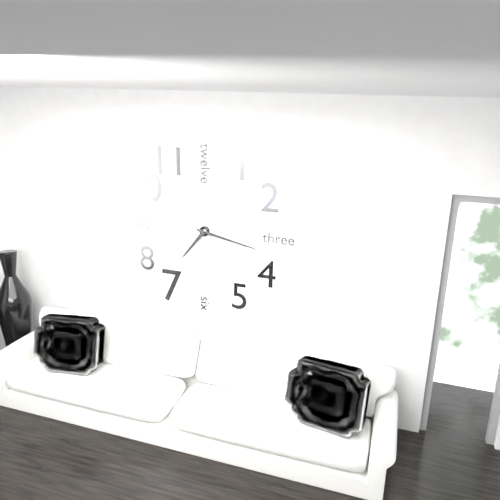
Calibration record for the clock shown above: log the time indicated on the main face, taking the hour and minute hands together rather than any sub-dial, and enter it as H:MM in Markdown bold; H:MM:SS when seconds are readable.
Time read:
**7:17**
